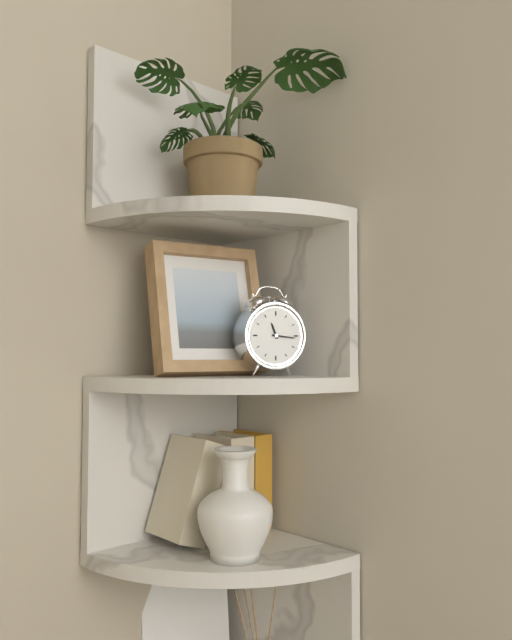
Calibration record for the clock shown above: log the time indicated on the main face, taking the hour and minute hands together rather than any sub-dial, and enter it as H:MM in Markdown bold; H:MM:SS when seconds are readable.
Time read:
**11:16**
